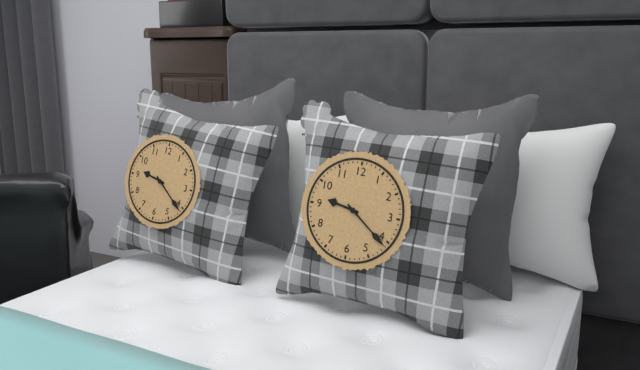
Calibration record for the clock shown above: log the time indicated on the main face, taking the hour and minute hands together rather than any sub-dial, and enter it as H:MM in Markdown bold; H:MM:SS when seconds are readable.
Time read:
**9:21**
